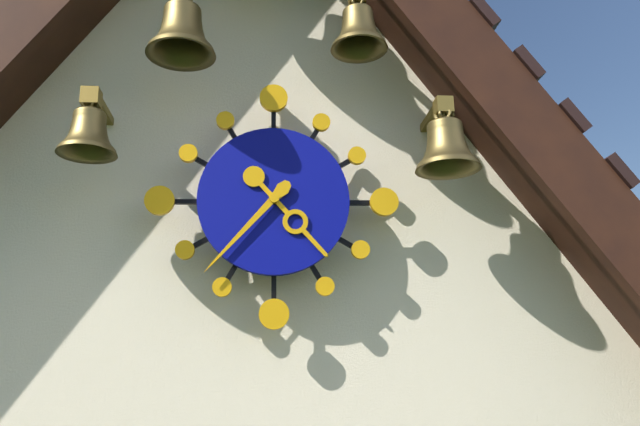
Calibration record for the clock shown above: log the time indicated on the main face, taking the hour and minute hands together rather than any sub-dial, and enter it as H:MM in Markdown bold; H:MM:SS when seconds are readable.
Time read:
**4:37**
